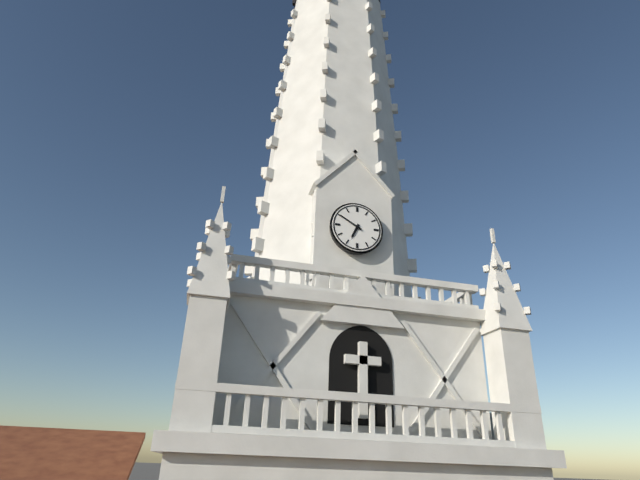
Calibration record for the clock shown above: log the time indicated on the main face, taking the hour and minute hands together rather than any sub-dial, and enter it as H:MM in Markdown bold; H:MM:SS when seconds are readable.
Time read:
**6:50**
